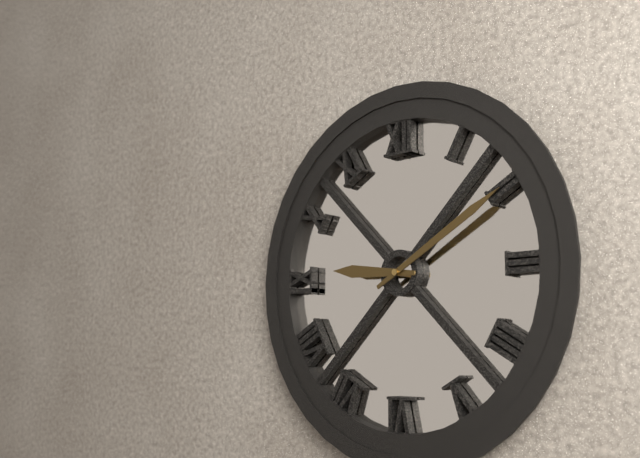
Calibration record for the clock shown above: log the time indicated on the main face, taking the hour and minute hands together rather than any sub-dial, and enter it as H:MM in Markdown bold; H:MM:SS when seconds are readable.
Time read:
**9:10**
